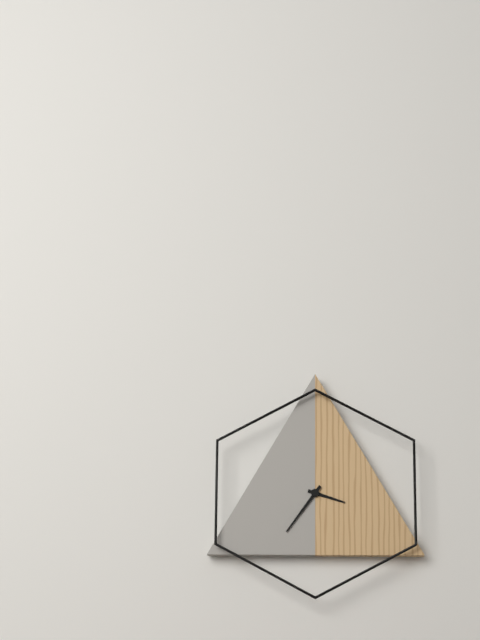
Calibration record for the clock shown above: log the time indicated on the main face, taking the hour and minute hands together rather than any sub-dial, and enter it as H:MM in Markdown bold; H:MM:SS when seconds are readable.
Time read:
**3:36**
